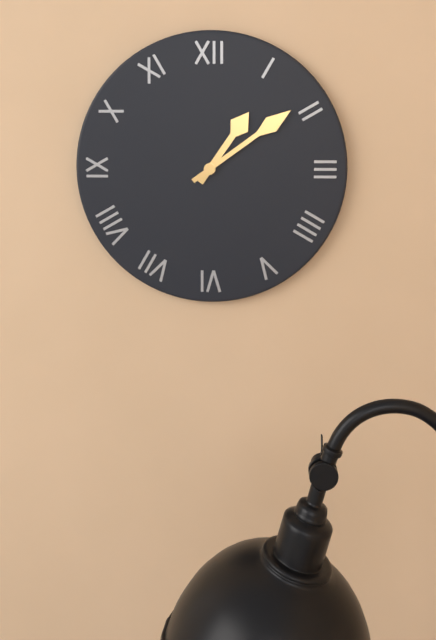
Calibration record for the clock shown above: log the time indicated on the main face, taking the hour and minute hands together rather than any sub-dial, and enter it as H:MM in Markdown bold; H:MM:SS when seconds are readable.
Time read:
**1:09**
